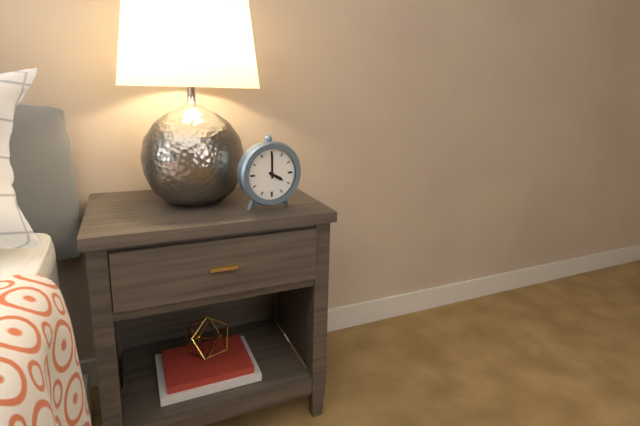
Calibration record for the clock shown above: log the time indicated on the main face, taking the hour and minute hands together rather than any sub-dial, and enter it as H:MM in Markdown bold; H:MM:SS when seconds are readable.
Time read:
**4:00**
